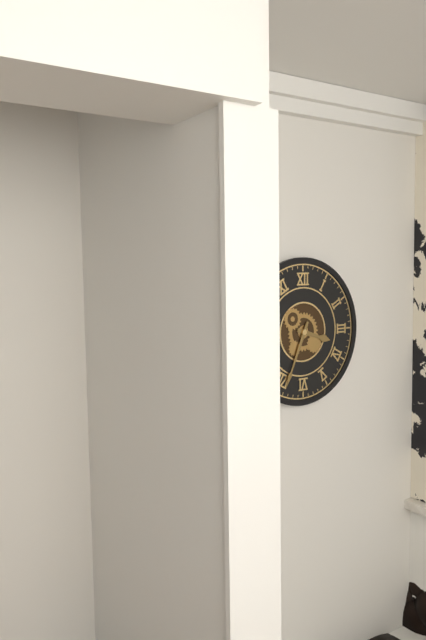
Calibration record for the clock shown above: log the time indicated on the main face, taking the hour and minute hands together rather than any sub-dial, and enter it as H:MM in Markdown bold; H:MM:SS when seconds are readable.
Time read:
**3:34**
